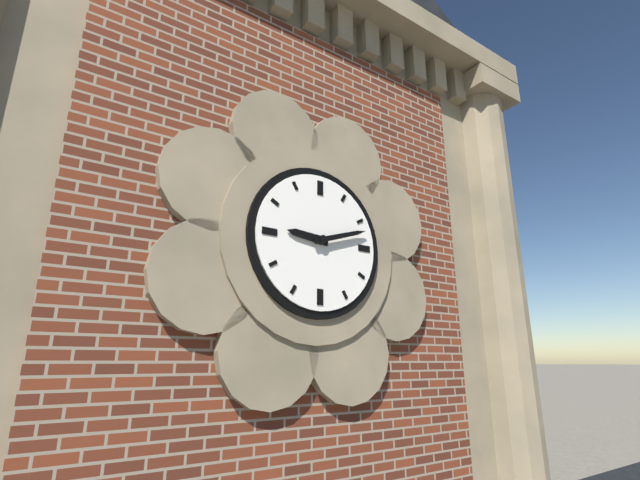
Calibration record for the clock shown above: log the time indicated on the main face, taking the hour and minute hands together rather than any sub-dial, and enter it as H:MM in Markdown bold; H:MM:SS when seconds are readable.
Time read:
**9:12**
